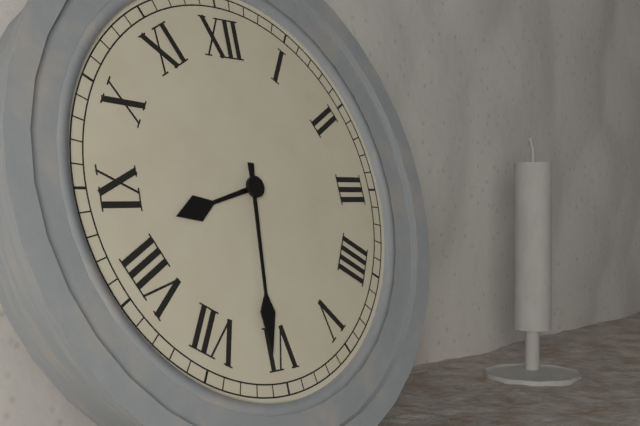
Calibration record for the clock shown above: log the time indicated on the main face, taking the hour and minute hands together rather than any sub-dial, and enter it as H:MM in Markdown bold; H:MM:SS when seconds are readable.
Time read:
**8:31**
